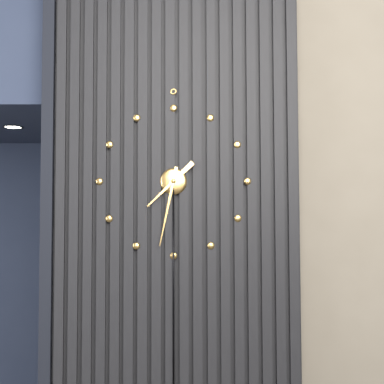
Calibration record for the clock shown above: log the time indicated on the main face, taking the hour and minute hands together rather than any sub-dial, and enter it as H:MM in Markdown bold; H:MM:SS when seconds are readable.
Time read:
**7:32**
